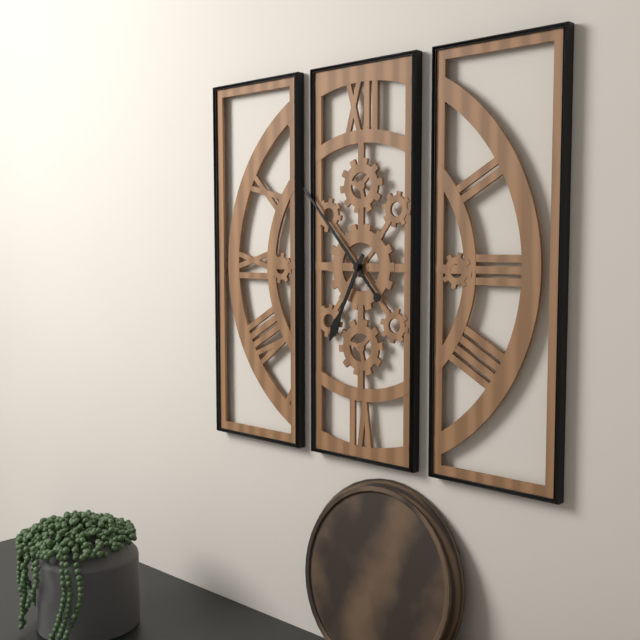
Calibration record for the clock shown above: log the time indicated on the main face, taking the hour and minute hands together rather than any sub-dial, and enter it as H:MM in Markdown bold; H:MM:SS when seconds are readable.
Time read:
**6:53**
